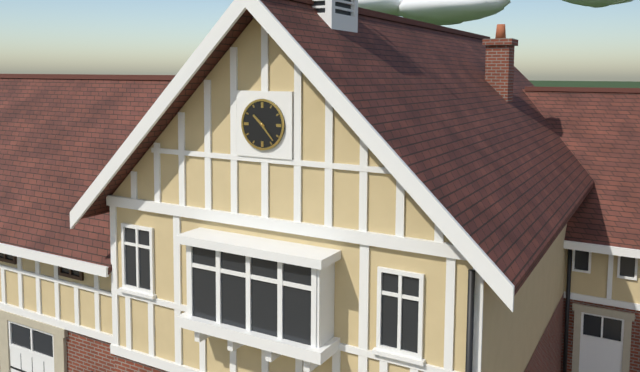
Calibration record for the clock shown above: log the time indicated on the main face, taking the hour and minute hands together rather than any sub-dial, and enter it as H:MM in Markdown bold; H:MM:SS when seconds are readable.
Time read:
**10:23**
